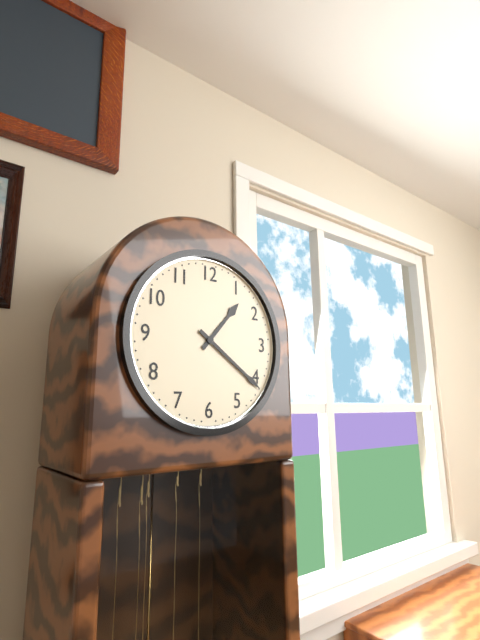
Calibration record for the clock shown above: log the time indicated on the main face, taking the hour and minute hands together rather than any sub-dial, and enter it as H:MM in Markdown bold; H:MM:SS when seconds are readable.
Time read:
**1:21**
